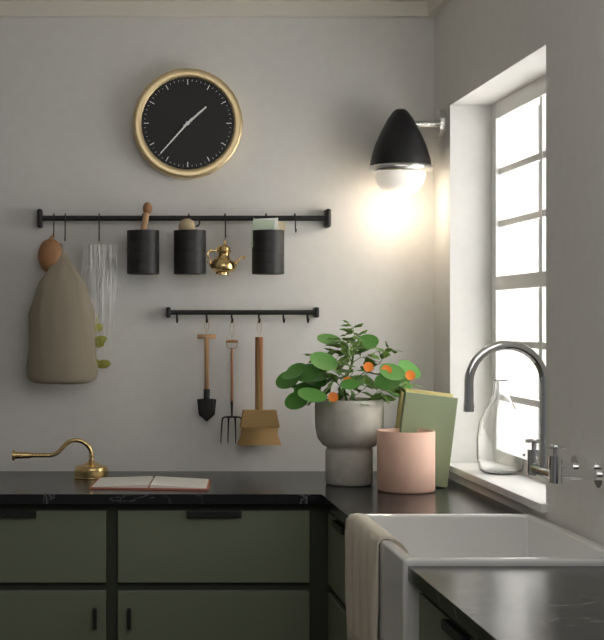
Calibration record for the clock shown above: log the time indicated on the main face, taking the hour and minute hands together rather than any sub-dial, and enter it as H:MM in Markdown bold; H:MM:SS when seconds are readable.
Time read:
**1:37**
